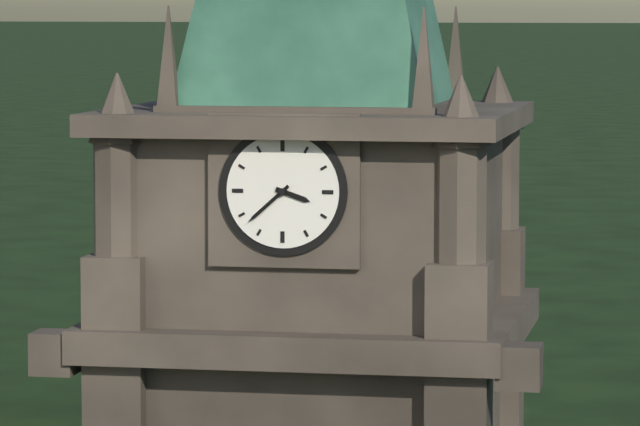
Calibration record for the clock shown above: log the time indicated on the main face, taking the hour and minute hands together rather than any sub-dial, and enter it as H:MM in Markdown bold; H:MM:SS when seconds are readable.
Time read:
**3:38**
